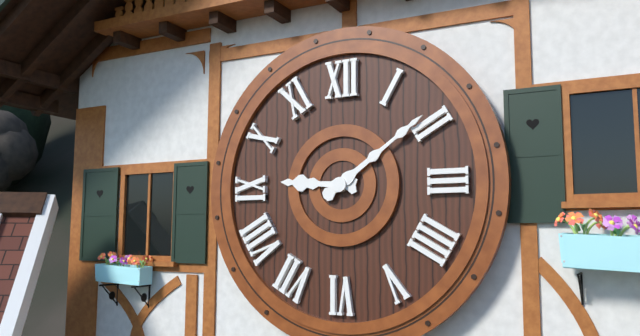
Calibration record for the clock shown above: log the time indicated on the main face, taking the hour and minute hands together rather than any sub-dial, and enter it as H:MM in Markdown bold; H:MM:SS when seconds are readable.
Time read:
**9:09**
